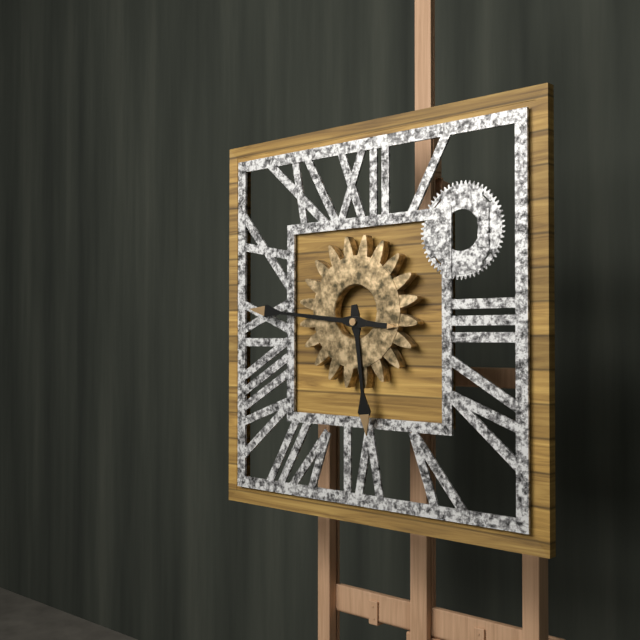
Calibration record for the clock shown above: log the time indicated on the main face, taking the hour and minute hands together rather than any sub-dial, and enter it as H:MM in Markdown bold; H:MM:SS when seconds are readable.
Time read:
**5:46**
